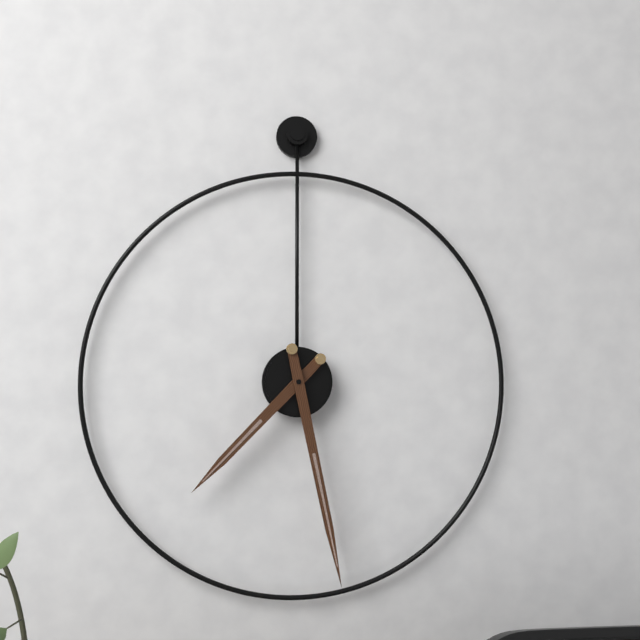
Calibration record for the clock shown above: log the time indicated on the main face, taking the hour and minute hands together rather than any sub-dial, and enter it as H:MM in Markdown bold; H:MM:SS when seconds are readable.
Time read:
**7:28**
